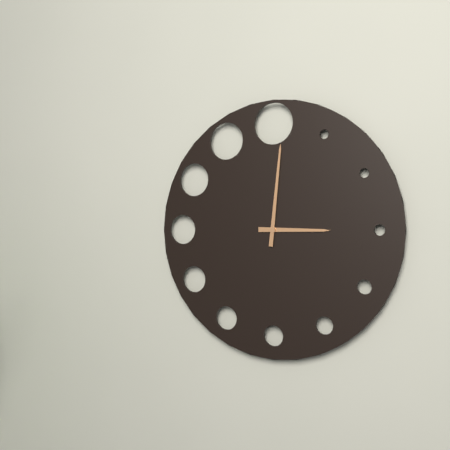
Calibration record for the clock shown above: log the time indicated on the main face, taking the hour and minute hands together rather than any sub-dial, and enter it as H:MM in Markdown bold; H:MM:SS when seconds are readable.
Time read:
**3:01**
